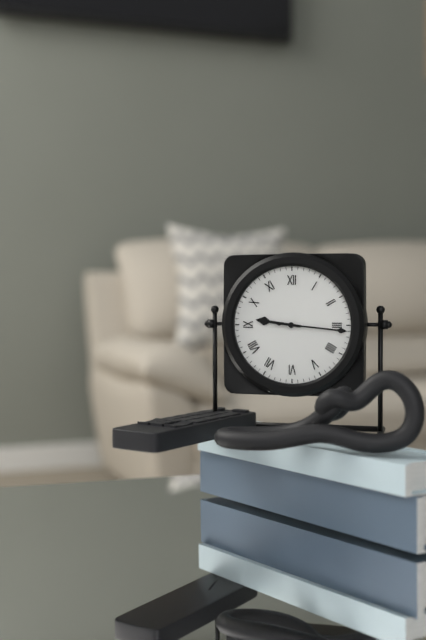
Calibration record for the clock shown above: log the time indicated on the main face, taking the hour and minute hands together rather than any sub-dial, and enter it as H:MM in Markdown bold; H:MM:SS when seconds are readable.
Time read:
**9:16**
